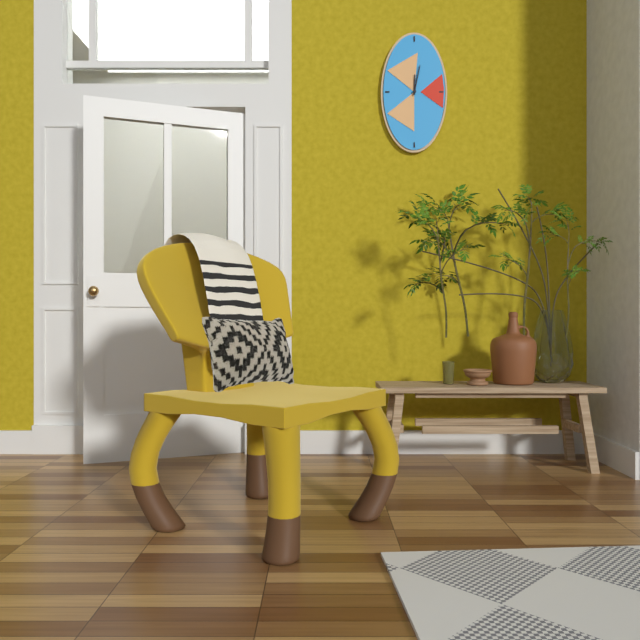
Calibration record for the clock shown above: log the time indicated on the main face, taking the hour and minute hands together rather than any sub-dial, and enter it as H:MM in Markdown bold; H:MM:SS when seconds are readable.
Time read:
**12:02**
